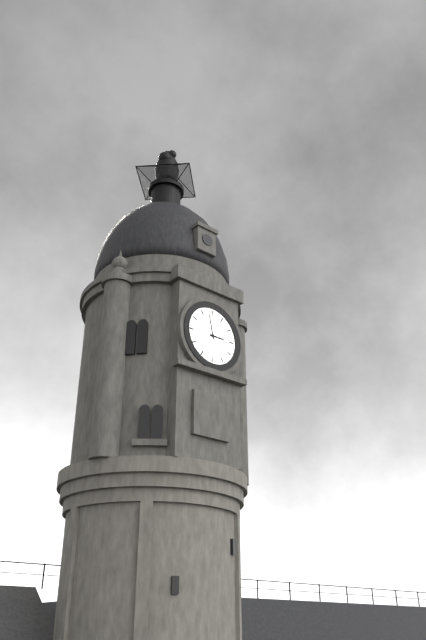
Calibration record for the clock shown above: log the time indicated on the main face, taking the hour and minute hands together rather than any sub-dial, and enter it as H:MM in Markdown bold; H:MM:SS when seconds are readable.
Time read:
**2:58**
